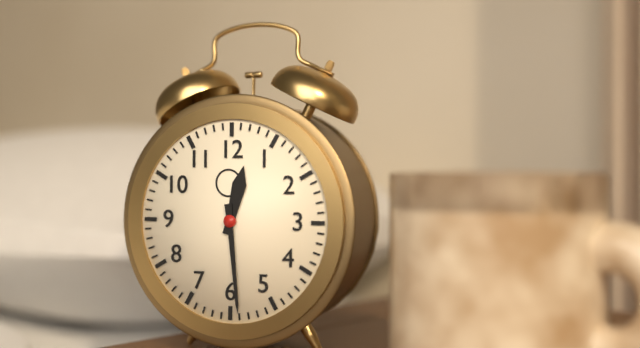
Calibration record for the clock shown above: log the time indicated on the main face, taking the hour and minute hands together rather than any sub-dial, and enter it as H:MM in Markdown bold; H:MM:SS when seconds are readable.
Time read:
**12:29**
